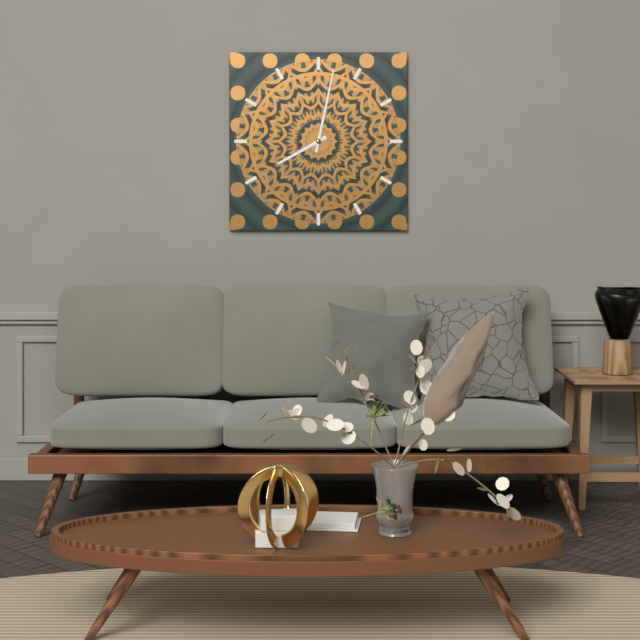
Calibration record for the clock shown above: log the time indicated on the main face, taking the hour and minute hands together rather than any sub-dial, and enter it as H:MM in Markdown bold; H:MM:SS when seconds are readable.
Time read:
**8:02**
